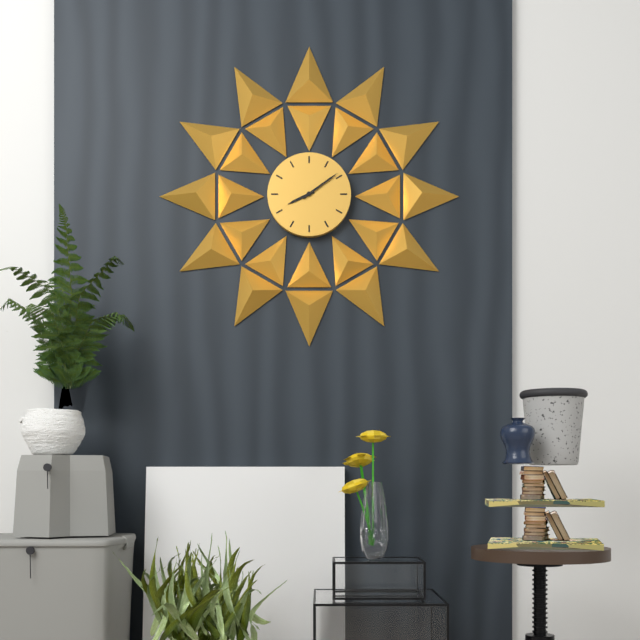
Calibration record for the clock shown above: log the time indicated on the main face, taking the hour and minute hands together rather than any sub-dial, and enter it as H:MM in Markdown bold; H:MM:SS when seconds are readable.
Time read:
**8:09**
